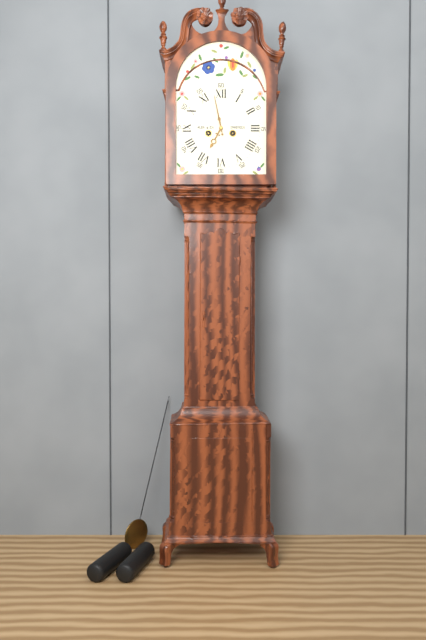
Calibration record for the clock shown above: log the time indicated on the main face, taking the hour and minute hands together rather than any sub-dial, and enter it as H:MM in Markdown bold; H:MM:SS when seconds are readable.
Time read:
**6:58**
